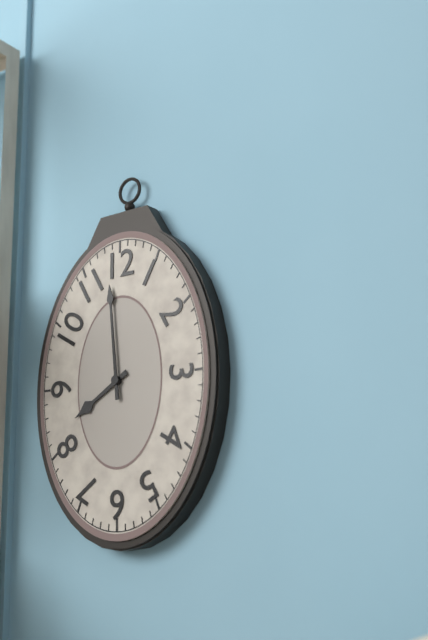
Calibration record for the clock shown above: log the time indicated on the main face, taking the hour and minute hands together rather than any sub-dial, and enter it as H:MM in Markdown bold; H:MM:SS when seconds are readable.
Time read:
**7:59**
